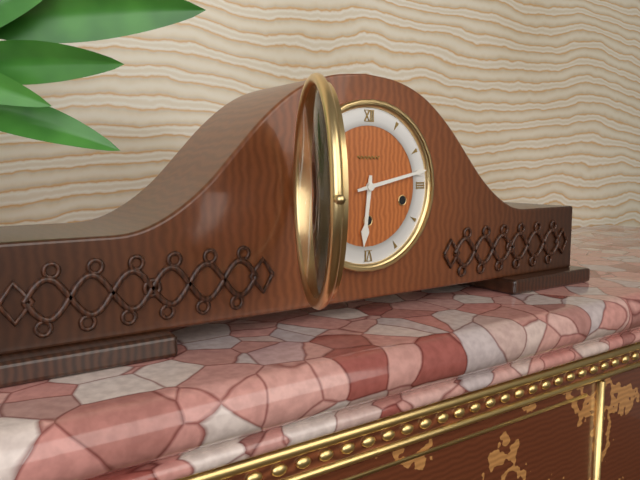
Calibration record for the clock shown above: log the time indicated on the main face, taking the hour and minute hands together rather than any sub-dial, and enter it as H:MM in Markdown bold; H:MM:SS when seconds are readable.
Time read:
**6:13**
